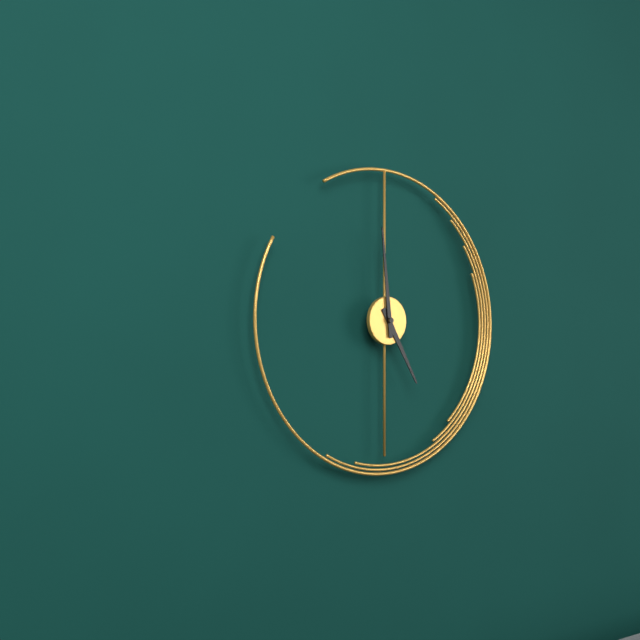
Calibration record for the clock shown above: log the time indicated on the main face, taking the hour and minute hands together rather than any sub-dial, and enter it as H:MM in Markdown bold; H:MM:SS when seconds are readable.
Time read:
**4:59**
